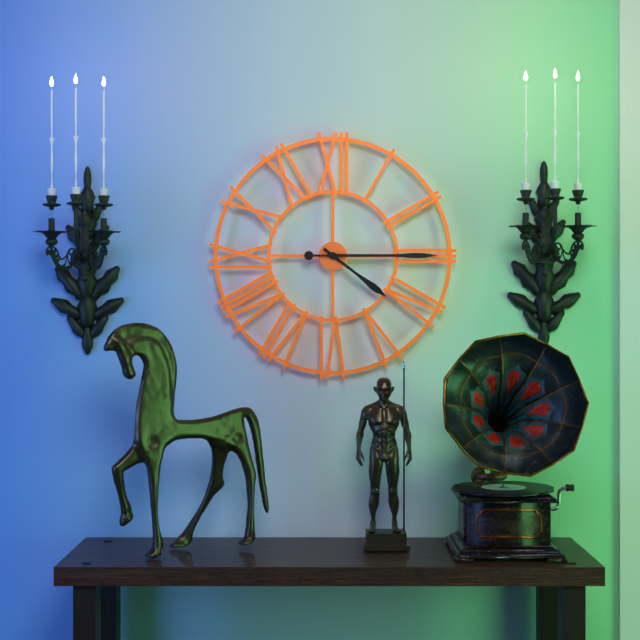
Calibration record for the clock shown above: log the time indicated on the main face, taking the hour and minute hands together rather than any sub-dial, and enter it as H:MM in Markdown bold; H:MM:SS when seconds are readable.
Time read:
**4:15**
